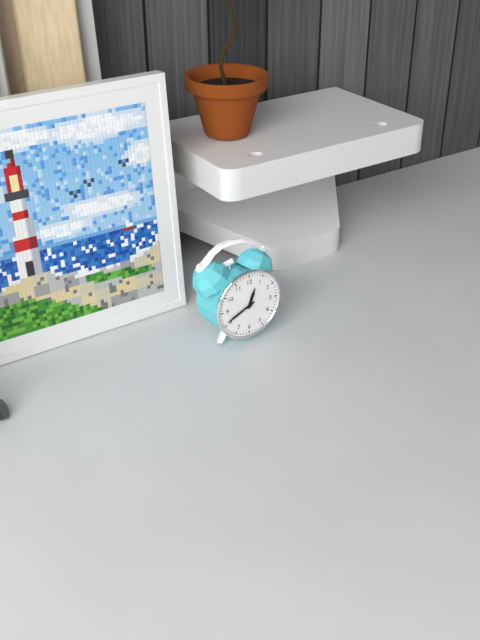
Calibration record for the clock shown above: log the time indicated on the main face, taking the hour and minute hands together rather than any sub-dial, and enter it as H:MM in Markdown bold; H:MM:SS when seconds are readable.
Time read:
**12:41**
